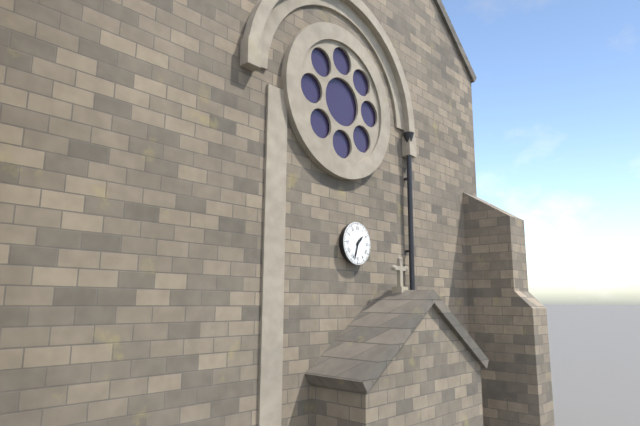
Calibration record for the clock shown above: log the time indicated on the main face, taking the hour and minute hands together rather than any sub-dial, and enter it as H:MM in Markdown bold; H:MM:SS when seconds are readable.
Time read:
**1:33**
